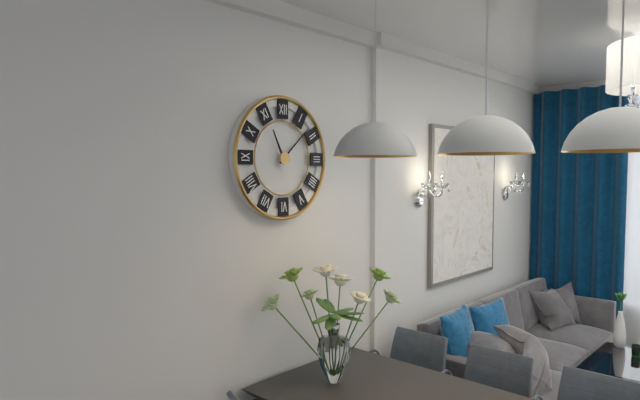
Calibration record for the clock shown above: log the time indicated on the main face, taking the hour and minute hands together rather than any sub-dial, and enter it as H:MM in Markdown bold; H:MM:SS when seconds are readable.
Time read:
**11:08**
